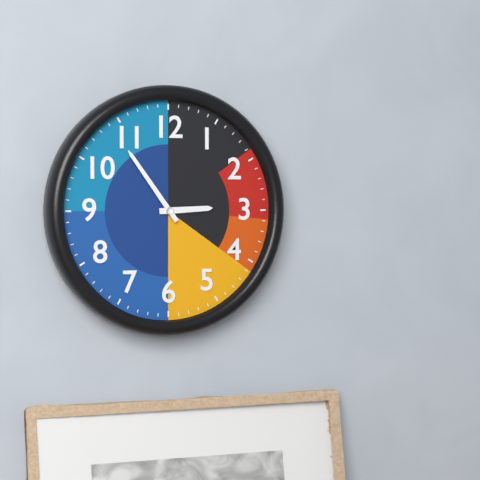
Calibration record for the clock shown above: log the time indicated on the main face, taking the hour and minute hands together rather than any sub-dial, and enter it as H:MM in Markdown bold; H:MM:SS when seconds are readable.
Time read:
**2:54**
